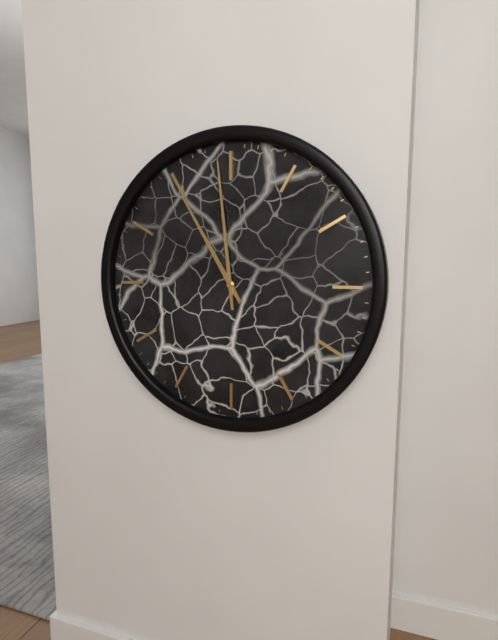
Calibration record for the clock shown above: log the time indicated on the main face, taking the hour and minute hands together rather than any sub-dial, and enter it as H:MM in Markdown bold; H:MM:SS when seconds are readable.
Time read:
**10:59**
